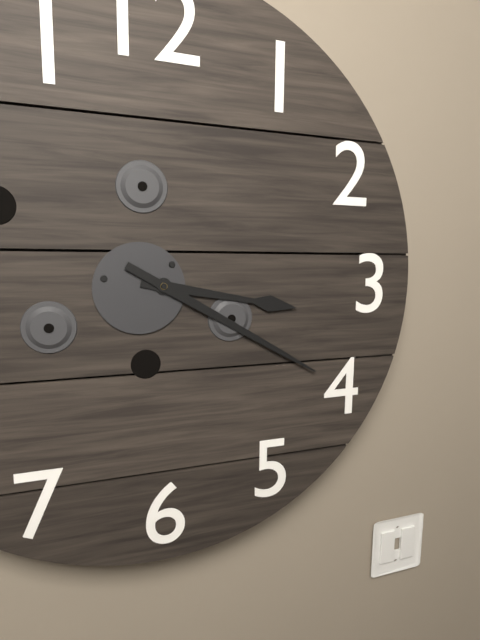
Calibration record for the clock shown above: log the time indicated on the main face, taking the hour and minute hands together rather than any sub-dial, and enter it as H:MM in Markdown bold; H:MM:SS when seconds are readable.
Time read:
**3:20**
